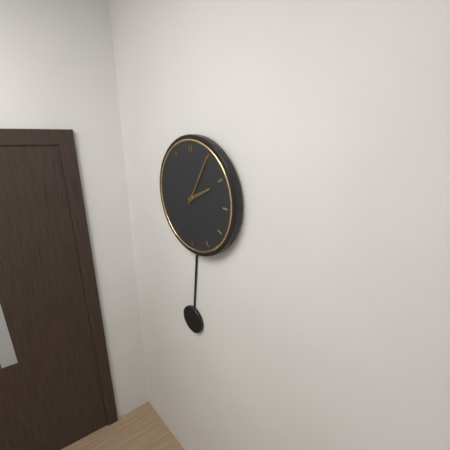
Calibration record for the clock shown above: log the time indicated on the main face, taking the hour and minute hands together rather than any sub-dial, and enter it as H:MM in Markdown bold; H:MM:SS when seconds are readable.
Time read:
**2:05**
